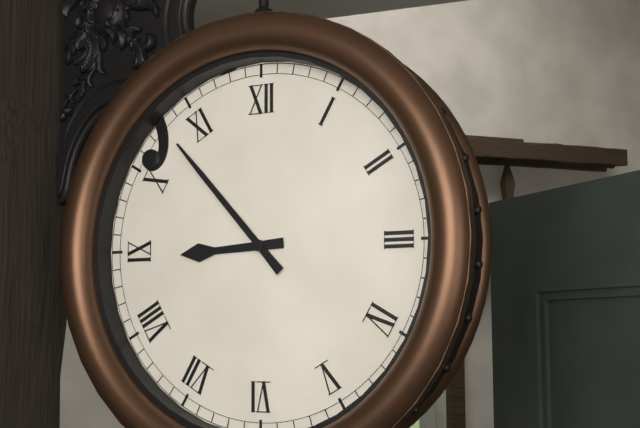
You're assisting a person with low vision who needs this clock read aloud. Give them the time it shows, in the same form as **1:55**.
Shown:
**8:53**
